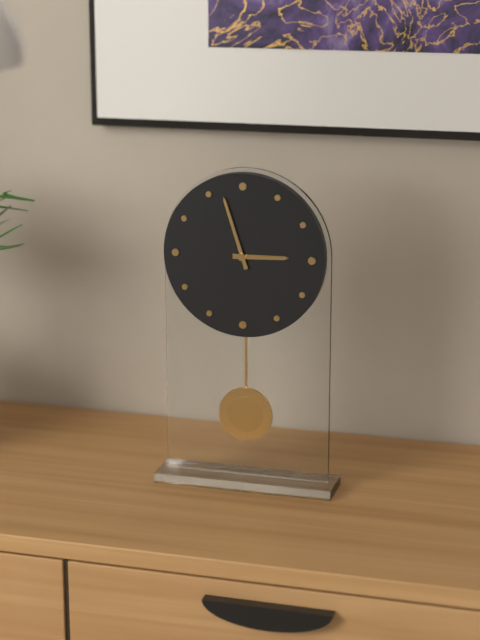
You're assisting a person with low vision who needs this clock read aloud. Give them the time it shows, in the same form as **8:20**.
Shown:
**2:57**
